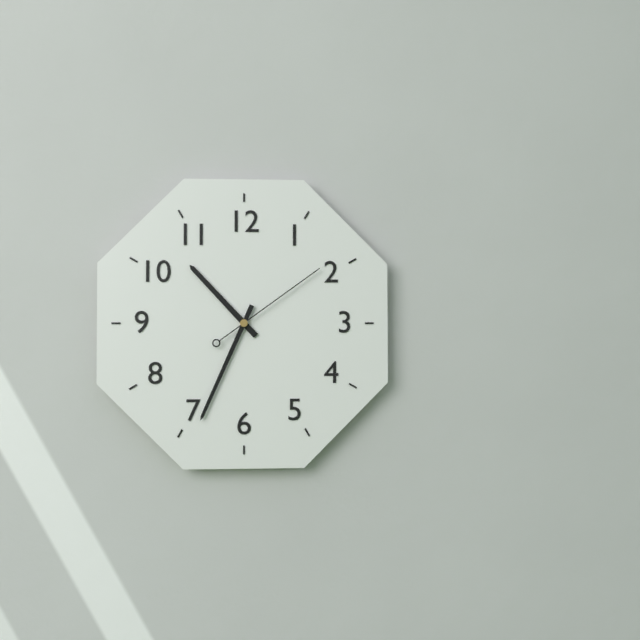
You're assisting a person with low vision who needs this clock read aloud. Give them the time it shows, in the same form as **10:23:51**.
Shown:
**10:34:09**
